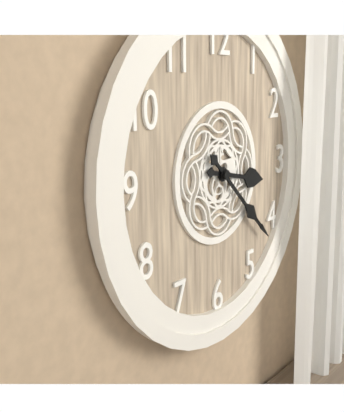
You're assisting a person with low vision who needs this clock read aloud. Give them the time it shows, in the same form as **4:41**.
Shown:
**3:22**
